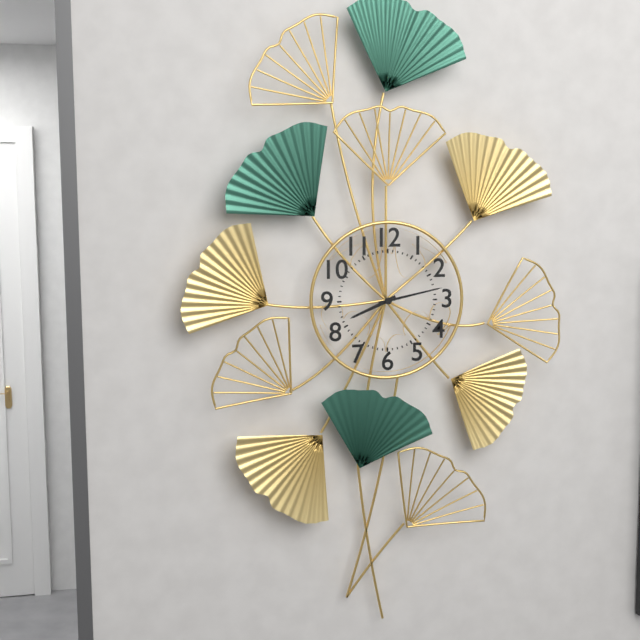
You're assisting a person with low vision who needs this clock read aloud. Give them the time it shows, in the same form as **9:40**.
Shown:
**8:13**
